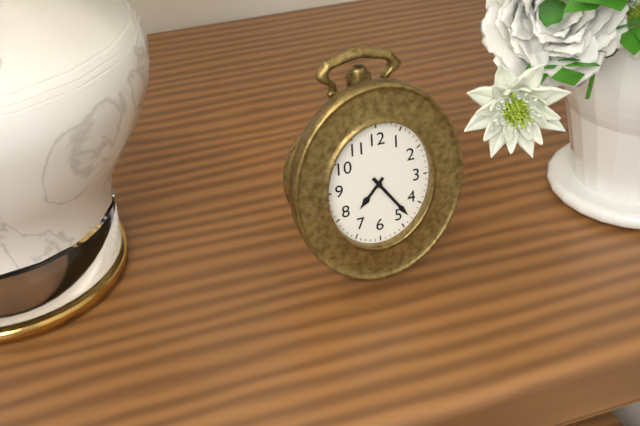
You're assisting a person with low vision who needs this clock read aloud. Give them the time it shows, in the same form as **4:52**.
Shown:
**7:24**
